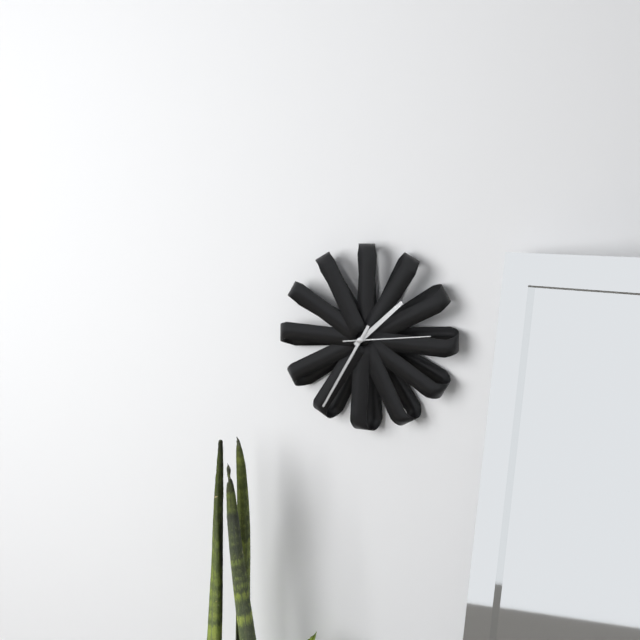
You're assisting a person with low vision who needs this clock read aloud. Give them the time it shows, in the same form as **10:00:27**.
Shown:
**1:35:14**
